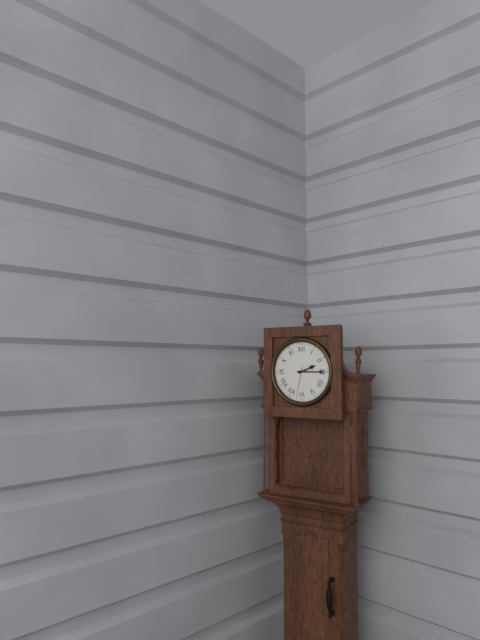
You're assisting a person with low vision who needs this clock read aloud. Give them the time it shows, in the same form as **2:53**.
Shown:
**2:15**
